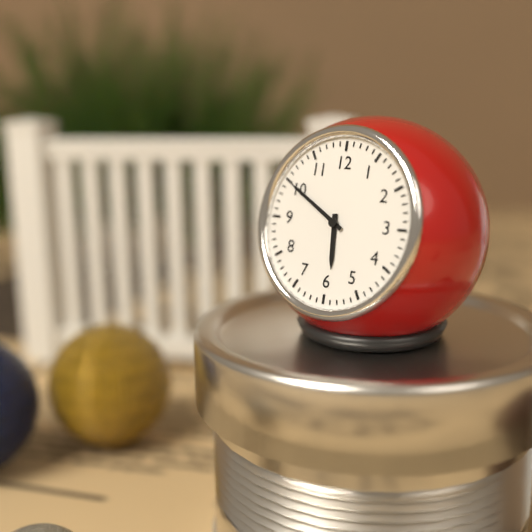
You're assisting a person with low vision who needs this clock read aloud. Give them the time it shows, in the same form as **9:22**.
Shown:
**5:50**
